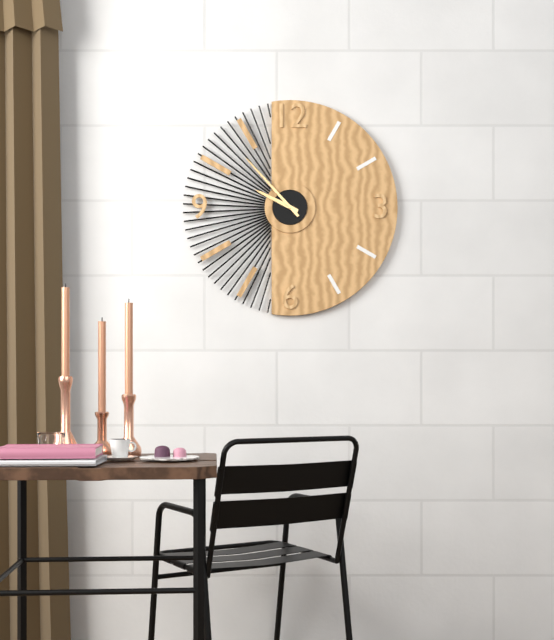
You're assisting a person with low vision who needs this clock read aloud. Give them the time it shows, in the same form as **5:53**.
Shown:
**9:53**
